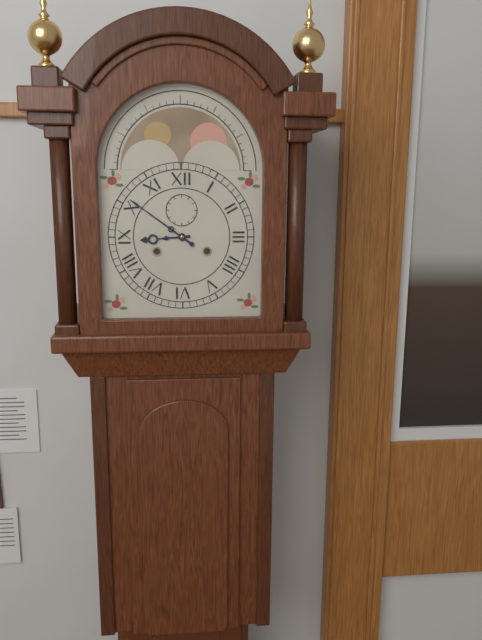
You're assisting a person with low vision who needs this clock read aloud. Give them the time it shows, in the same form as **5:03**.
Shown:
**8:51**
